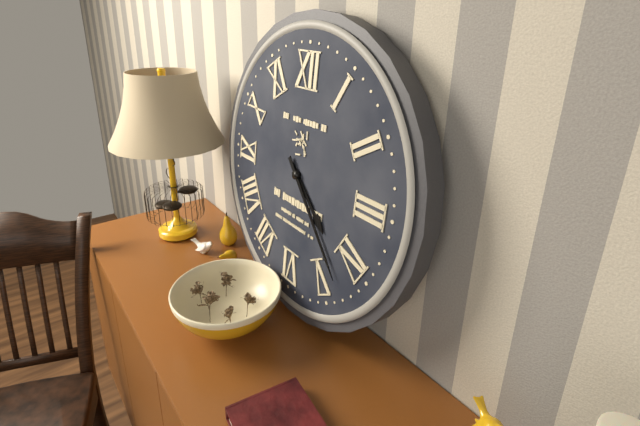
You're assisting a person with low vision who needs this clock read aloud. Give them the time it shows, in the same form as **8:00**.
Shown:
**4:23**
